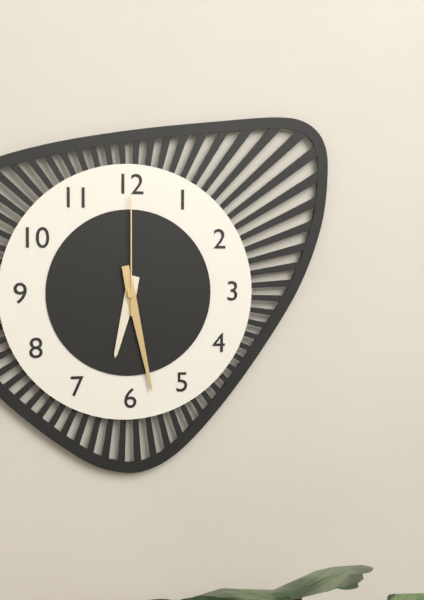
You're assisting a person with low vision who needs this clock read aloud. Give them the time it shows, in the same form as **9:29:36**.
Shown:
**6:28:00**
